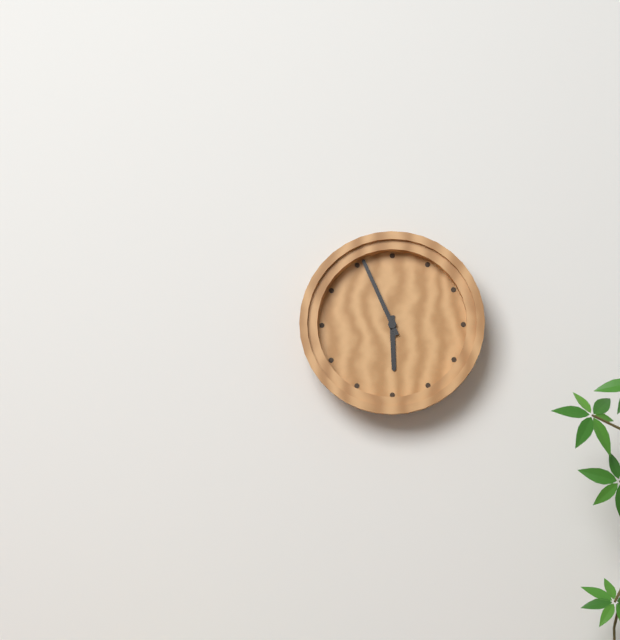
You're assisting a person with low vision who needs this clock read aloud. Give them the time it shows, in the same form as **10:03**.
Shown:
**5:56**
